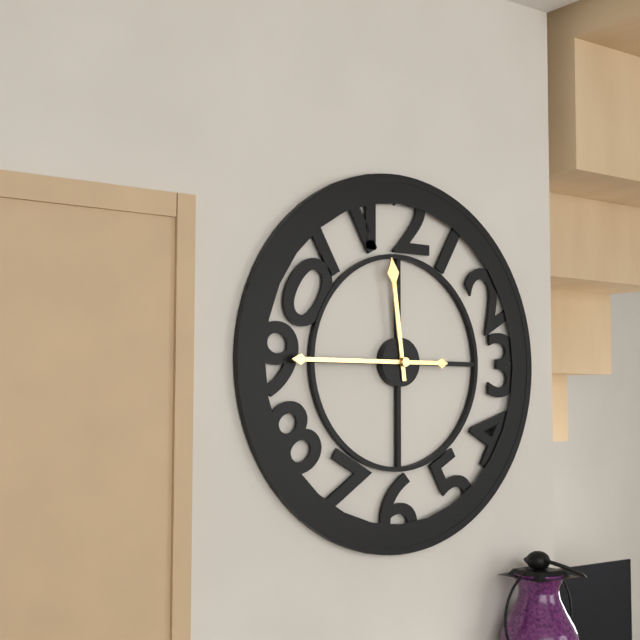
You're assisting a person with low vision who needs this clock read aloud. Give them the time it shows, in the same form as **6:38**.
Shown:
**11:45**
